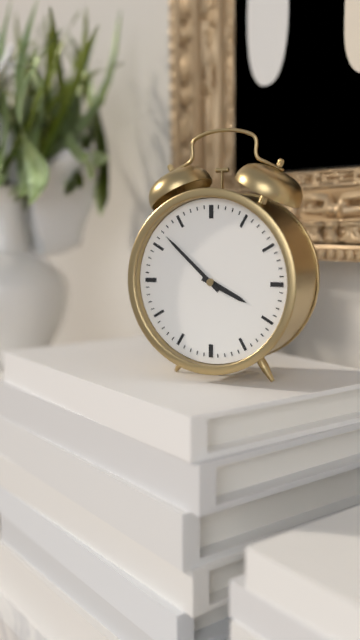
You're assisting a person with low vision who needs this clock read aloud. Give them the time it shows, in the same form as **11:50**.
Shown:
**3:52**
